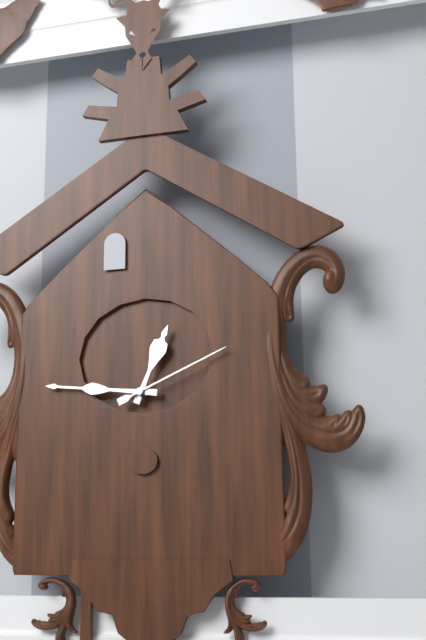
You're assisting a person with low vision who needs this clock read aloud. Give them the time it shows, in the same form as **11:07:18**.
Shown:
**12:46:11**
